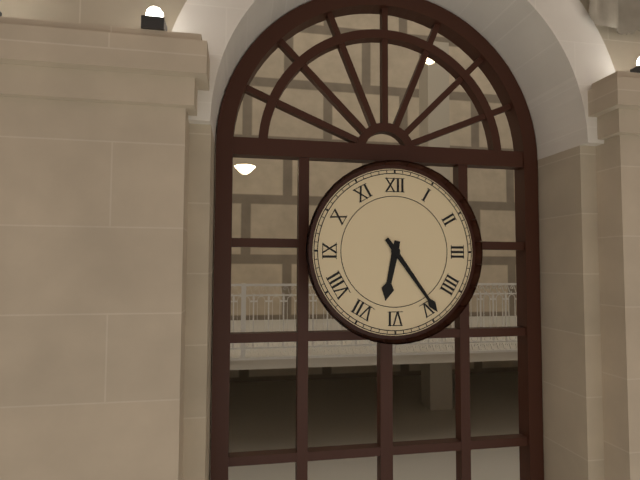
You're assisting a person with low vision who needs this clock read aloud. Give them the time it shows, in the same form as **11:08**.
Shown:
**6:24**
